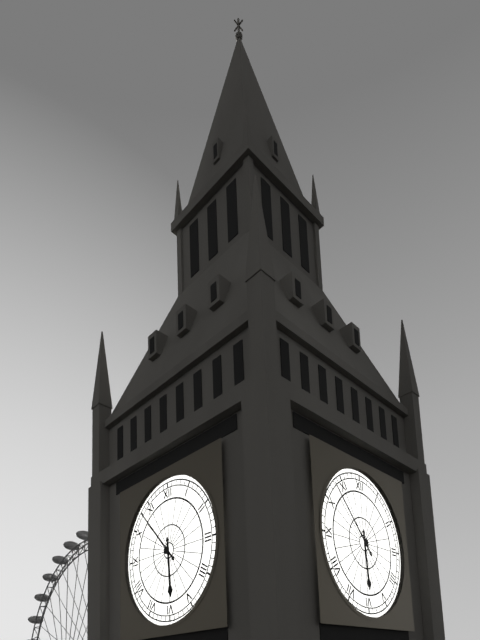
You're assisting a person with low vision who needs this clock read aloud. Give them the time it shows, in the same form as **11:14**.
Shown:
**5:53**
